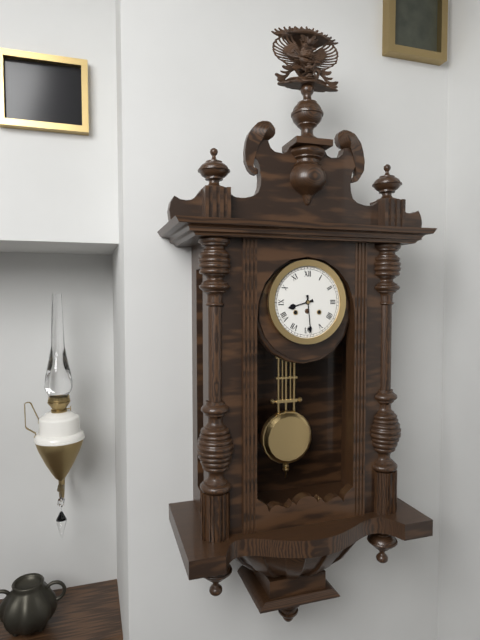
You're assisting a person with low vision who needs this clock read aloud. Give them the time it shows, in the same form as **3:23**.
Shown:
**8:29**
